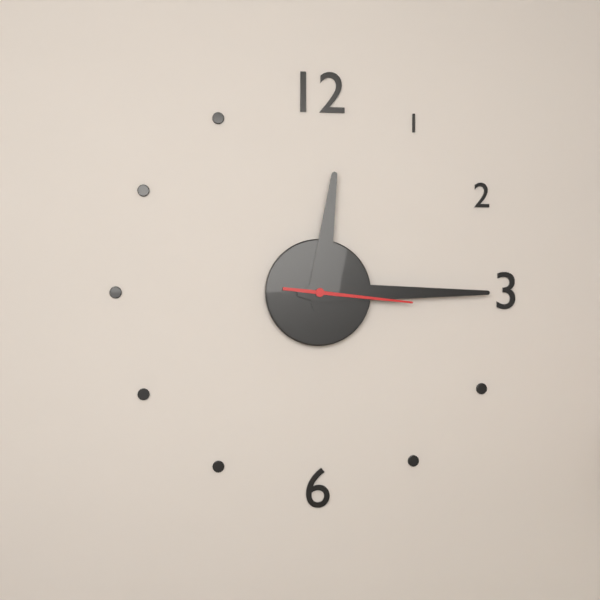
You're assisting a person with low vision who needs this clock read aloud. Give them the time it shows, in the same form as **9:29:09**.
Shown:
**12:15:16**
